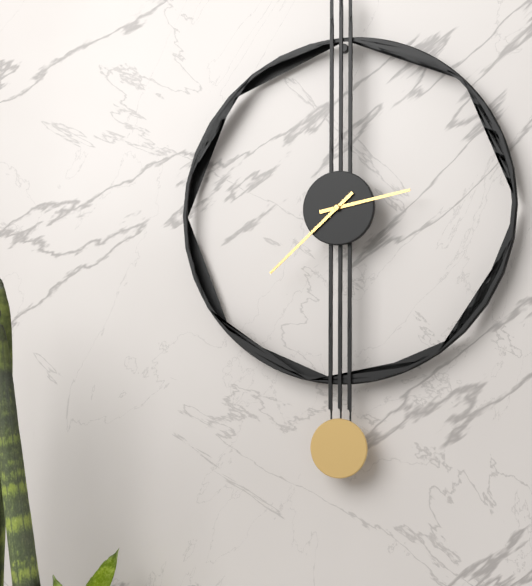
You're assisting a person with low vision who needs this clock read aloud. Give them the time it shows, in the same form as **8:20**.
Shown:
**2:38**
